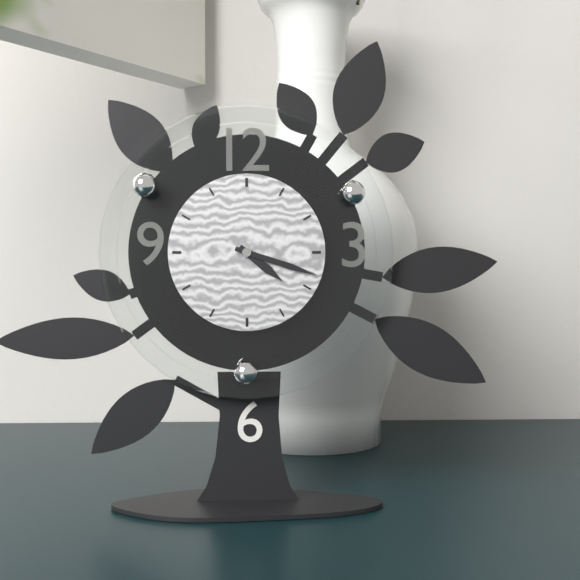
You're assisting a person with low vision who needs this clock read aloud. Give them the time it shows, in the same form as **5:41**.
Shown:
**4:18**
